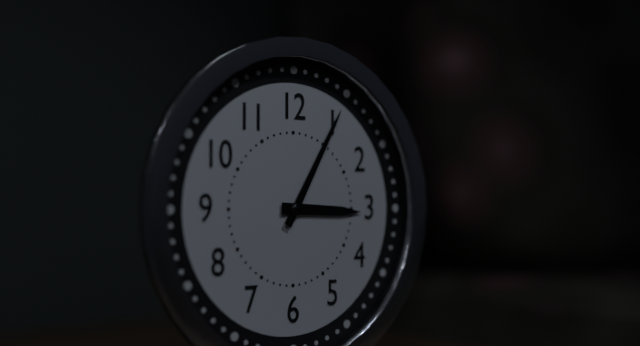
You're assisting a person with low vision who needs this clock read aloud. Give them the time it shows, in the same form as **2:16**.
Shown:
**3:05**
